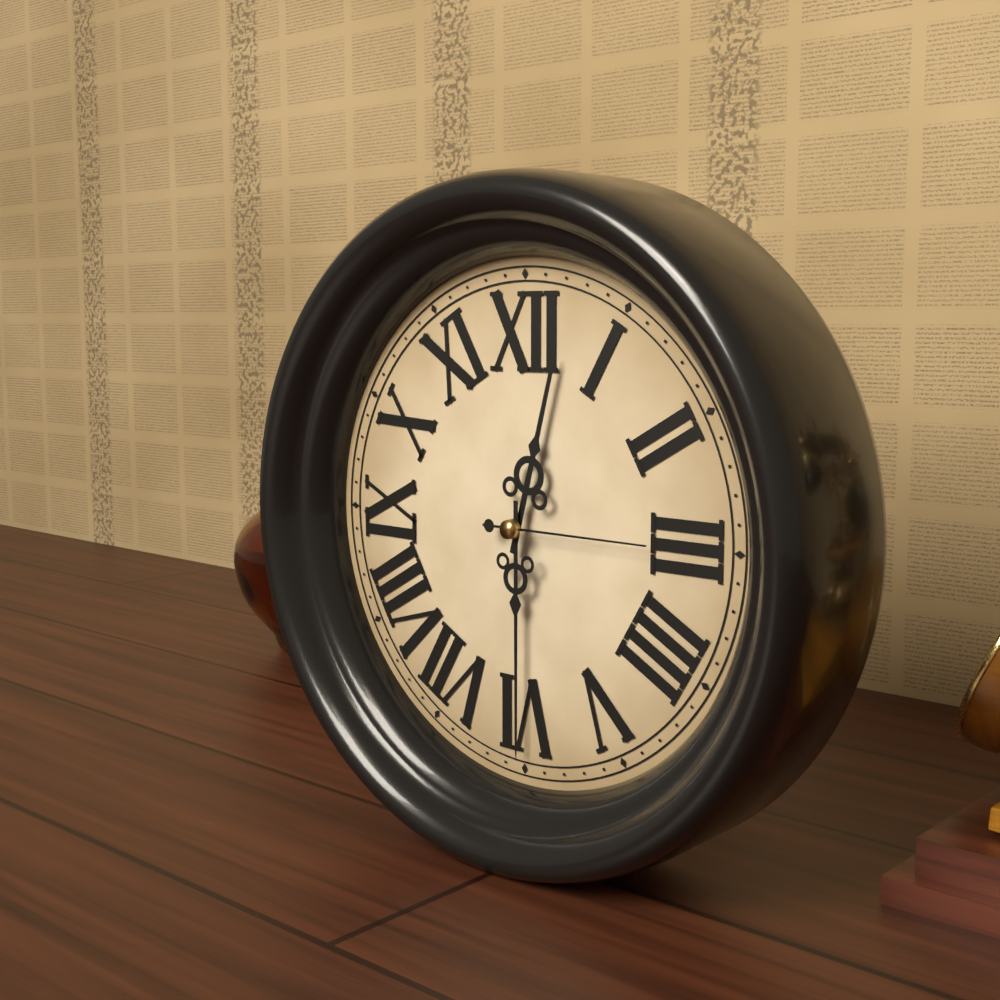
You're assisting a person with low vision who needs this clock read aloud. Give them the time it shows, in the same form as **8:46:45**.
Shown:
**12:30:15**
